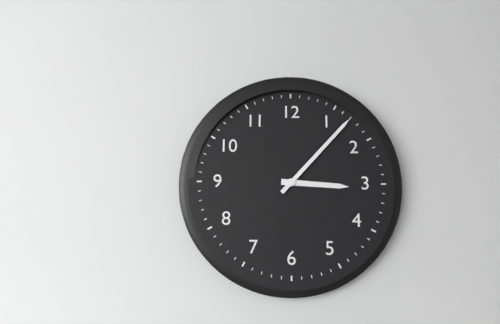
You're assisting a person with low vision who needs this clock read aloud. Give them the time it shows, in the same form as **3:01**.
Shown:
**3:07**
